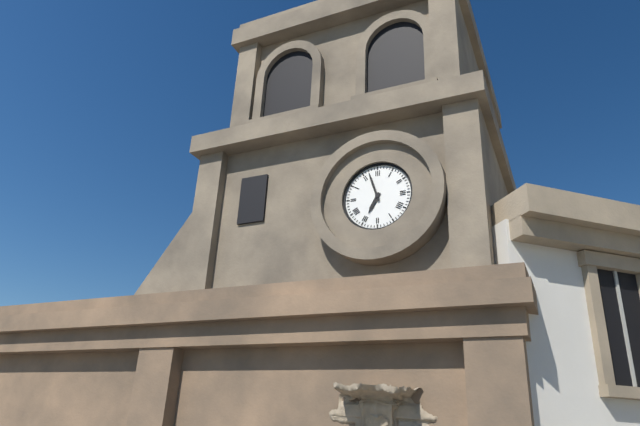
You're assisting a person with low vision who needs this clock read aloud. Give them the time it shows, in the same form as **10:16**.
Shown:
**6:57**
